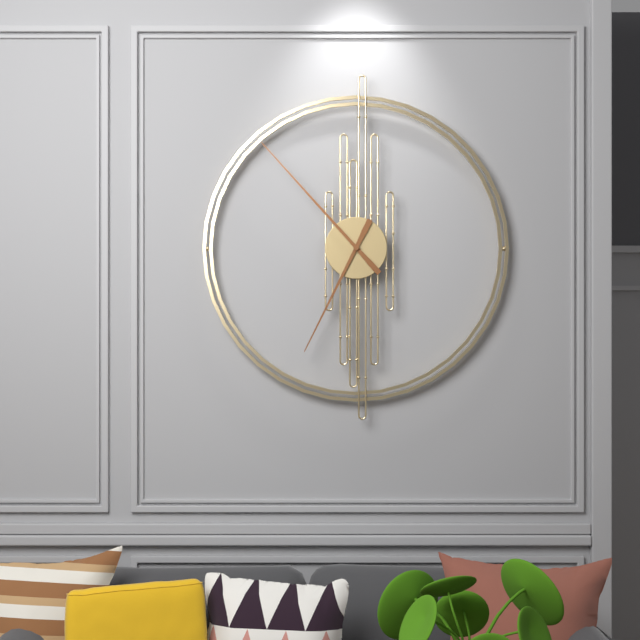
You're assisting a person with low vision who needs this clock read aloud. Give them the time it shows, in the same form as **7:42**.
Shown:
**6:53**
